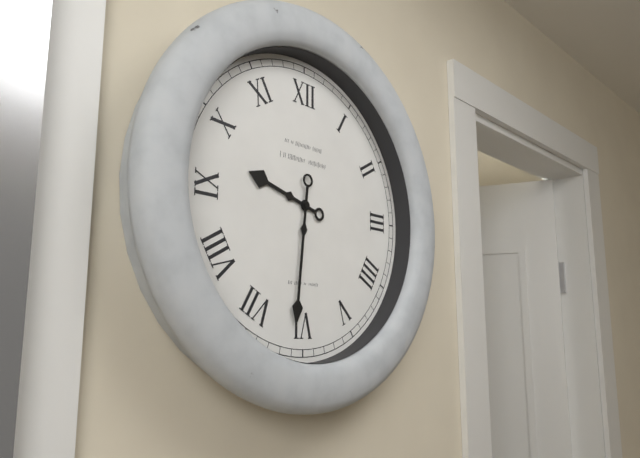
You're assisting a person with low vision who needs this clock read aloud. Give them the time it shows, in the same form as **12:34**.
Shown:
**9:31**
